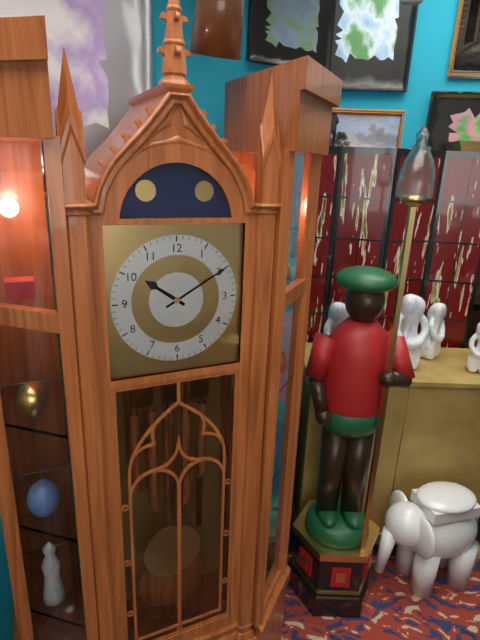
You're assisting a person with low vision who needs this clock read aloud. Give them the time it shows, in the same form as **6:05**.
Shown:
**10:10**
